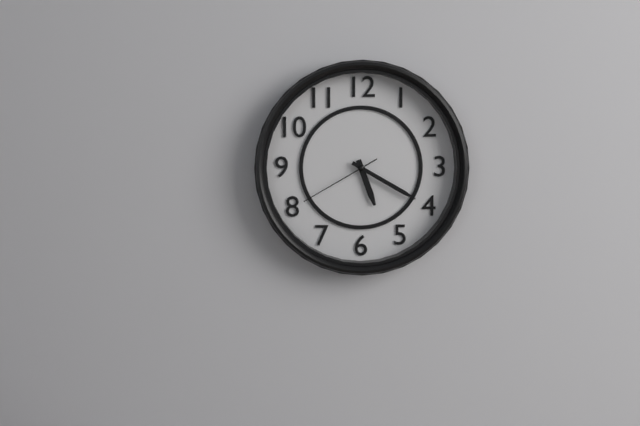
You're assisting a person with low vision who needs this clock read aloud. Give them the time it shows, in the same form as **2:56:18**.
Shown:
**5:20:40**
